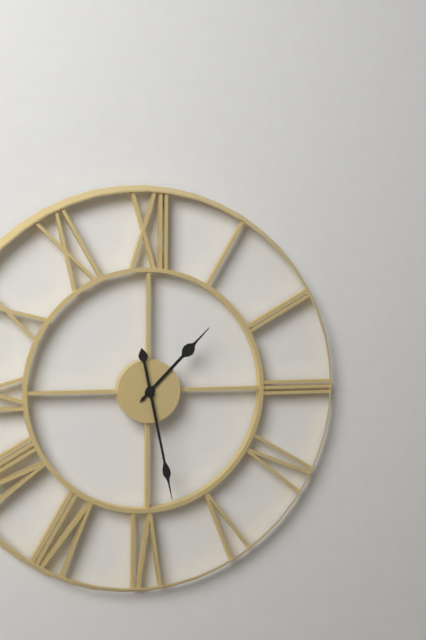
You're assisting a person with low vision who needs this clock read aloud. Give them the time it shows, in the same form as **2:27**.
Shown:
**1:28**
